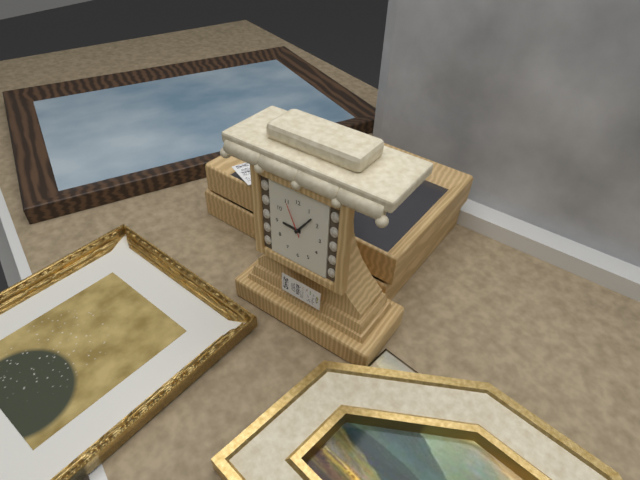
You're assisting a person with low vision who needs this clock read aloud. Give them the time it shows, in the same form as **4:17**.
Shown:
**9:06**
